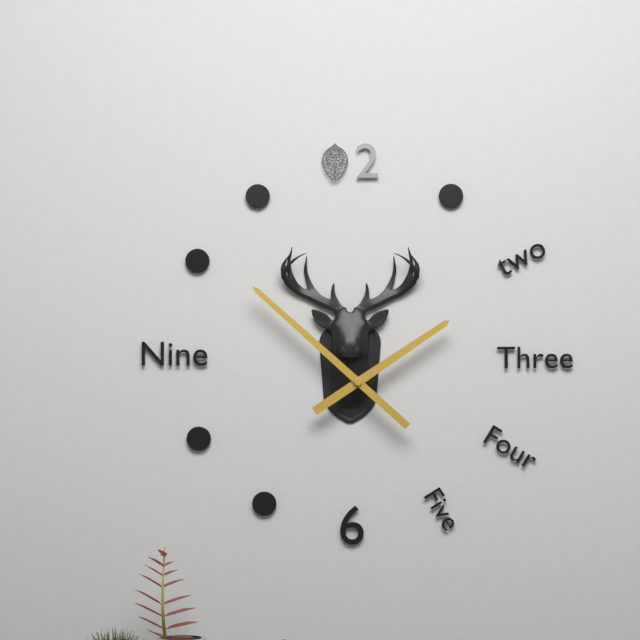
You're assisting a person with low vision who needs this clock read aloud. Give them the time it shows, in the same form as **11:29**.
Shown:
**1:52**
